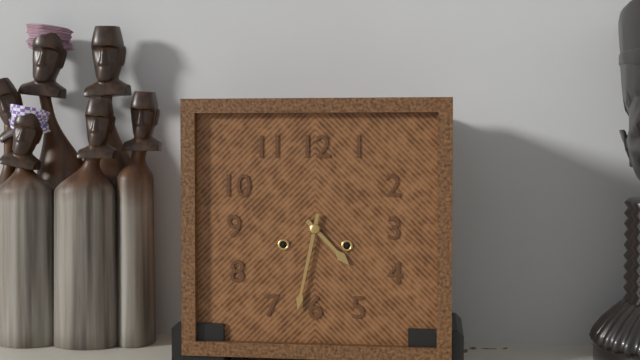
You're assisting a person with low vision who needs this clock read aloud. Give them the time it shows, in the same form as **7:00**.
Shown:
**4:32**
